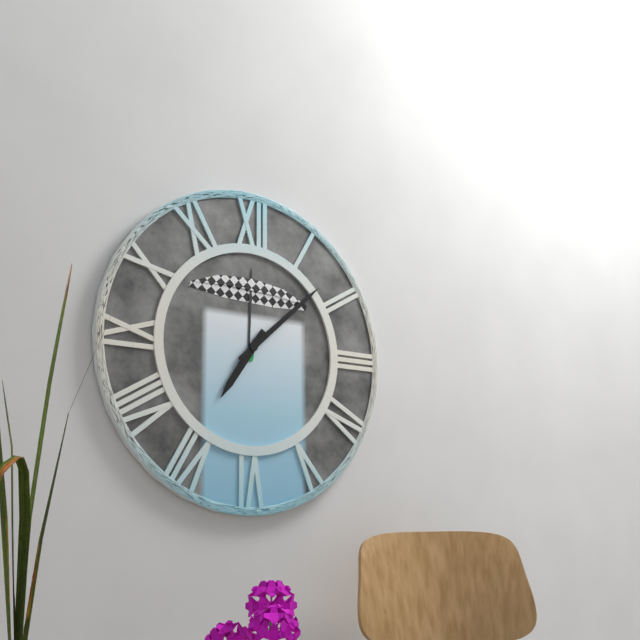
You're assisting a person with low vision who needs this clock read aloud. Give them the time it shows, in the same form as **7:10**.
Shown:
**7:08**
